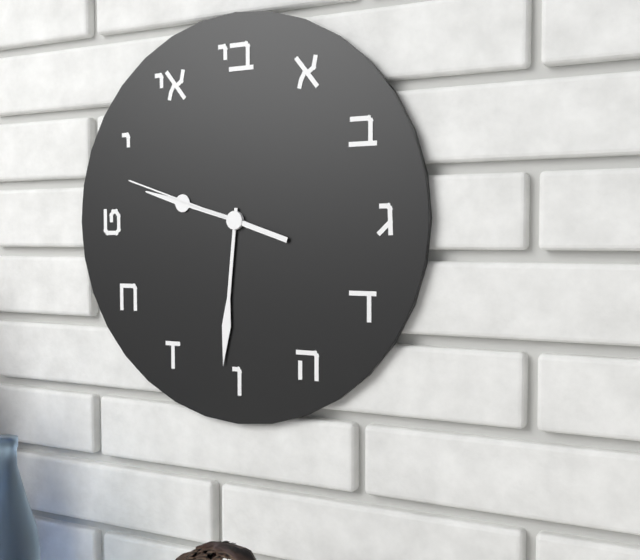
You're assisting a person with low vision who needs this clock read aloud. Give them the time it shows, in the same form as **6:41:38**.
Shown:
**9:31:48**
